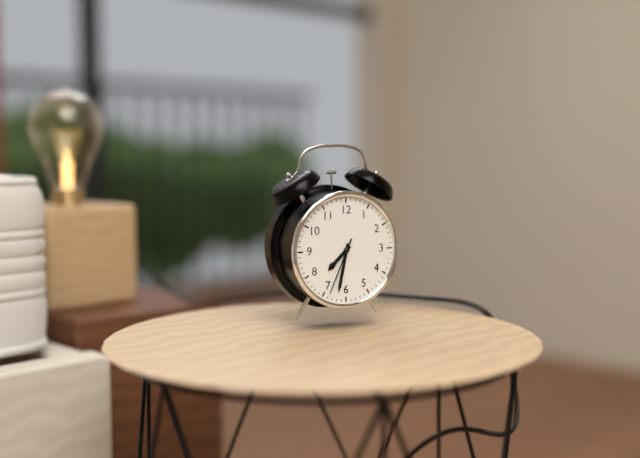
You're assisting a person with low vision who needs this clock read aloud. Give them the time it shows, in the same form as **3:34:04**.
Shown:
**7:32:34**
